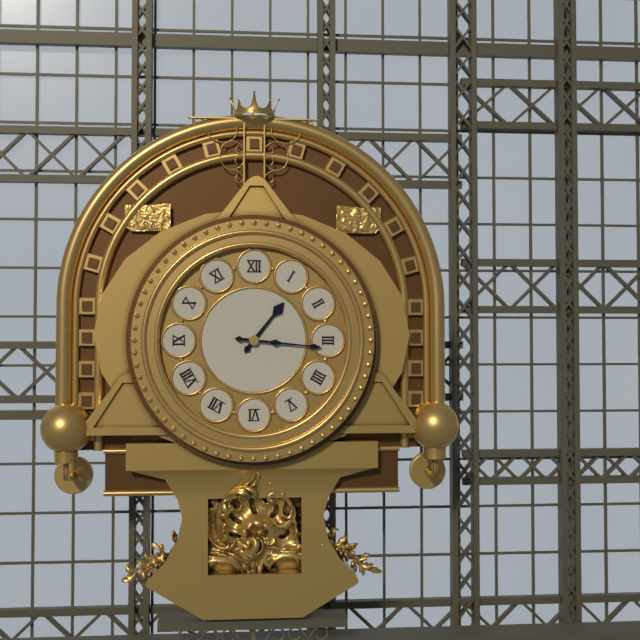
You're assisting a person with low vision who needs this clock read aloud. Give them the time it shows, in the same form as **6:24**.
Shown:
**1:16**
